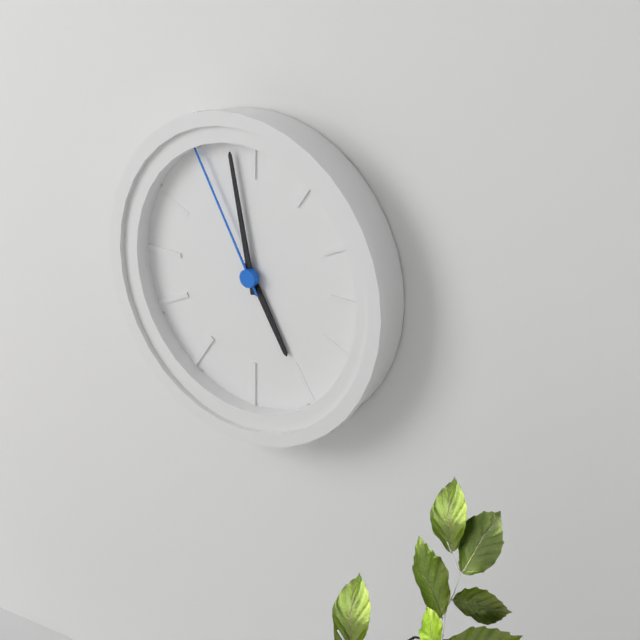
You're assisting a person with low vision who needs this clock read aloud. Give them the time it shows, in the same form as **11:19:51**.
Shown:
**4:58:55**
